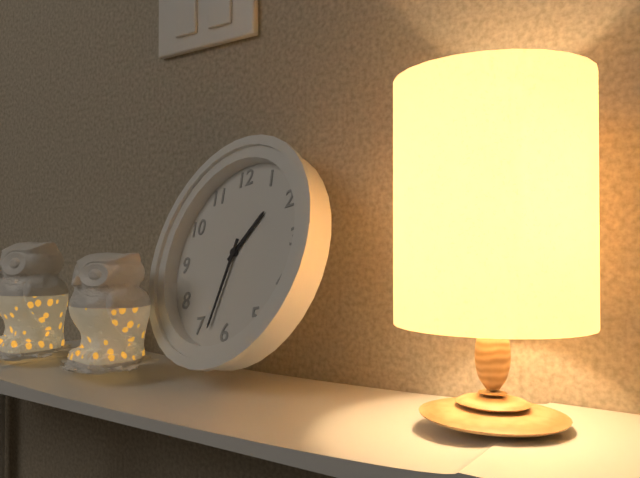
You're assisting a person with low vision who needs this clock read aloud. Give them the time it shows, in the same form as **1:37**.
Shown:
**1:33**
